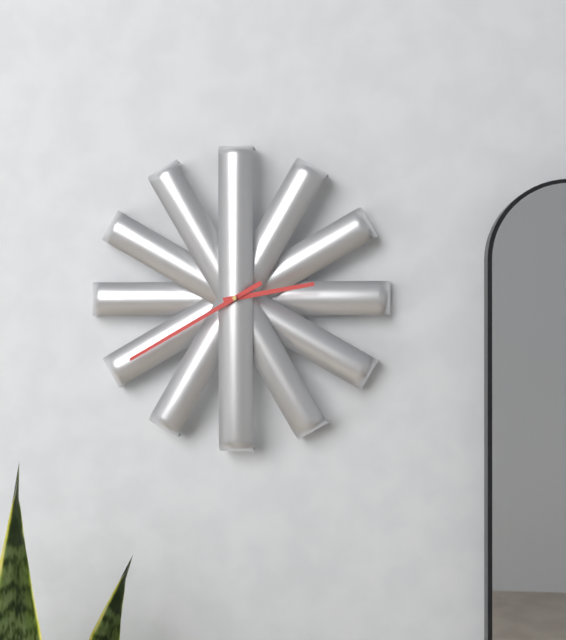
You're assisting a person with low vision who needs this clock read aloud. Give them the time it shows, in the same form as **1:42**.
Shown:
**2:40**
